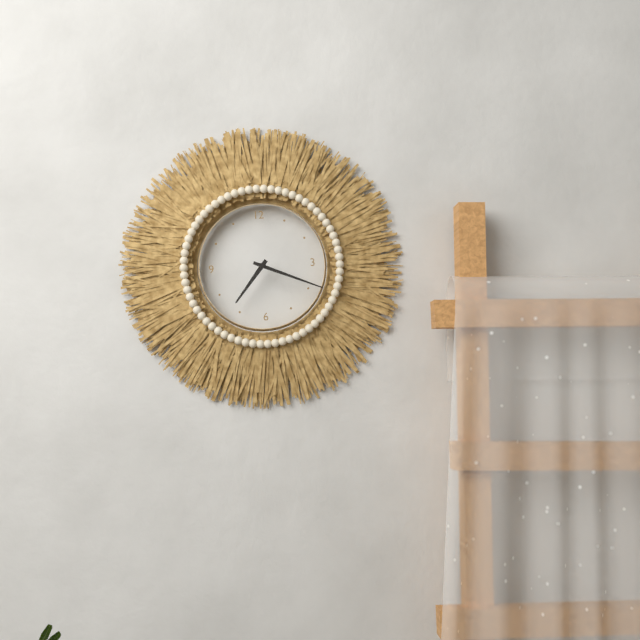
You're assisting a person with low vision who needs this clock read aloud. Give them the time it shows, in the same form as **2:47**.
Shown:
**7:19**
